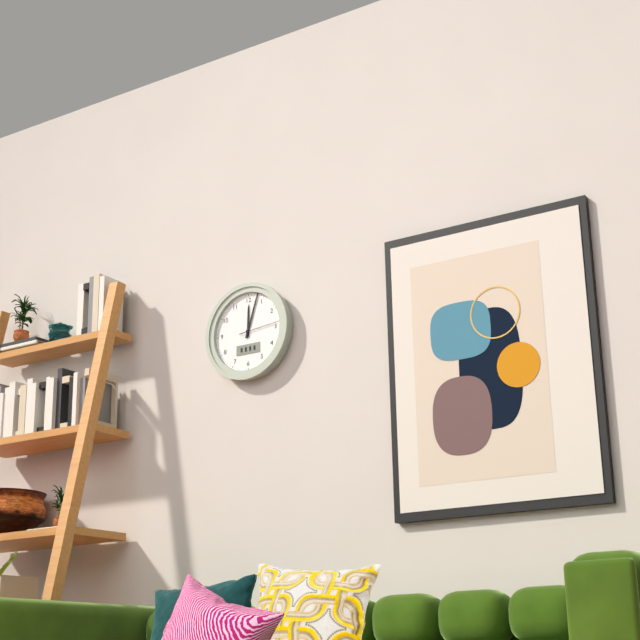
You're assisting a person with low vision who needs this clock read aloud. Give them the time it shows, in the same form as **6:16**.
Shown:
**12:03**
